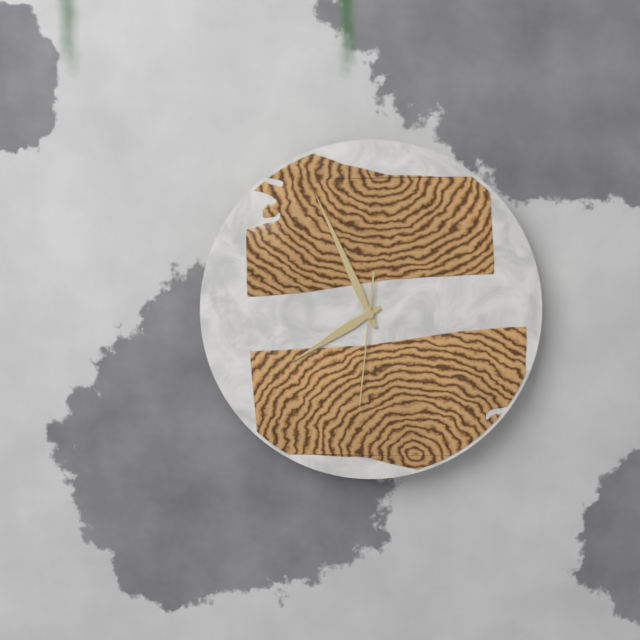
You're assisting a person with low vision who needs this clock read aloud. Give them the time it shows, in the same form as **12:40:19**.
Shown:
**7:56:31**
